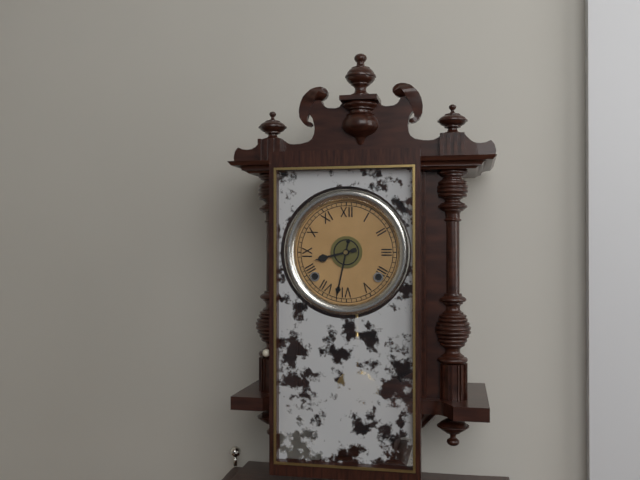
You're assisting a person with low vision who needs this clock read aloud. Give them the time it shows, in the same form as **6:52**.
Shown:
**8:32**
